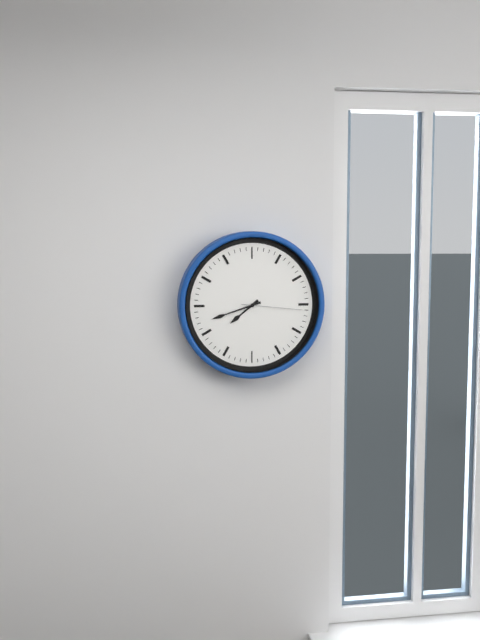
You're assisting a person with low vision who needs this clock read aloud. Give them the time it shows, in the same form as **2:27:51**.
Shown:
**7:42:16**
